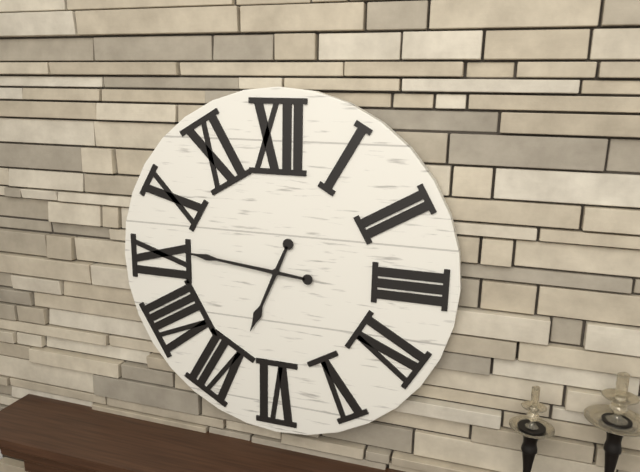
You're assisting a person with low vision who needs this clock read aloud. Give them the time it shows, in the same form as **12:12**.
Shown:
**6:46**
